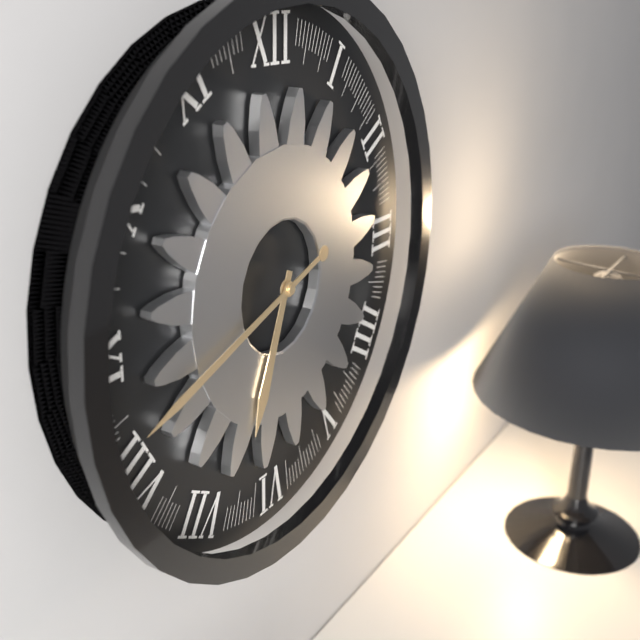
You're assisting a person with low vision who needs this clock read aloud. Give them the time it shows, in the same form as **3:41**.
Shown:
**6:42**
